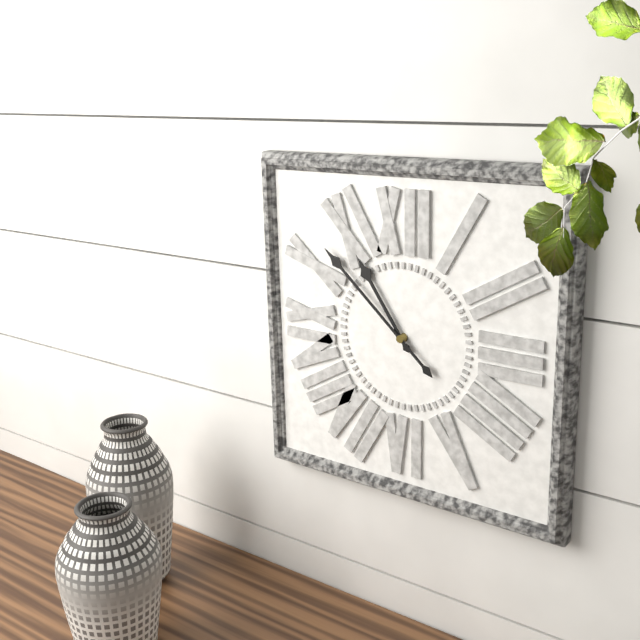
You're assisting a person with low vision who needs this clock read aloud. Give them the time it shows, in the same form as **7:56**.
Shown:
**10:52**
